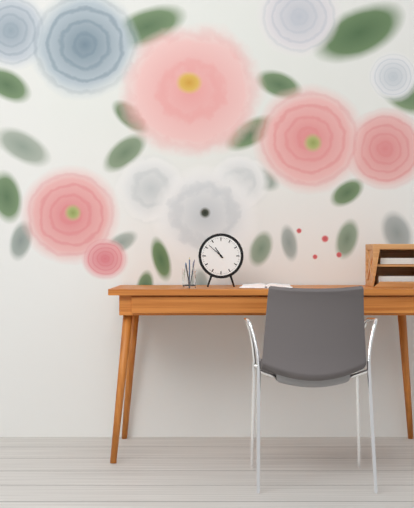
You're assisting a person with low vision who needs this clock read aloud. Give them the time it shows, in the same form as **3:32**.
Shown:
**10:52**
